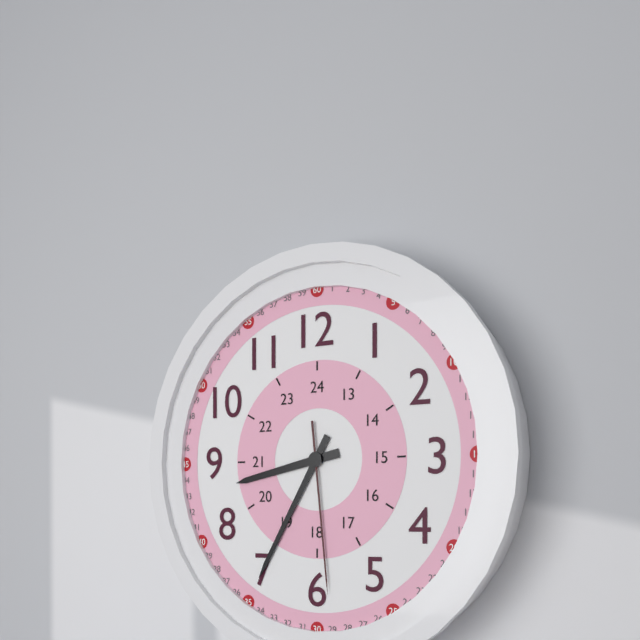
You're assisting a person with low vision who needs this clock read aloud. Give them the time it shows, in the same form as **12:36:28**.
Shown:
**8:35:29**
